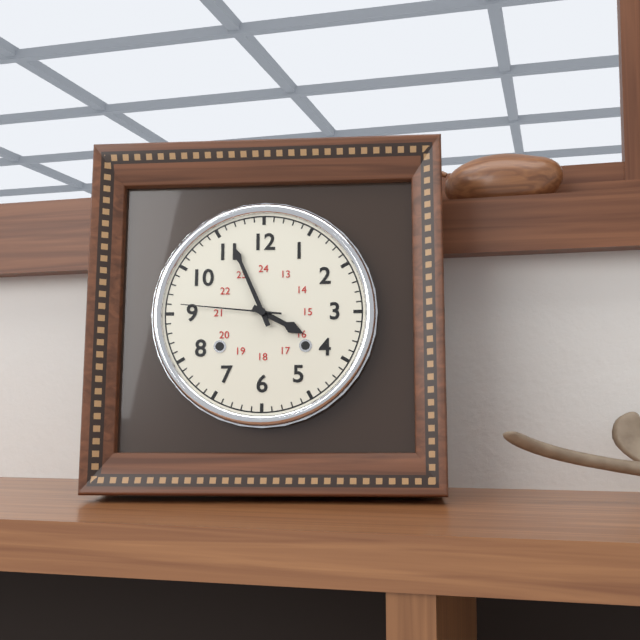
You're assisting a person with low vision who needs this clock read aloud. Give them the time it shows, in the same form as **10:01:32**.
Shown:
**3:56:46**
